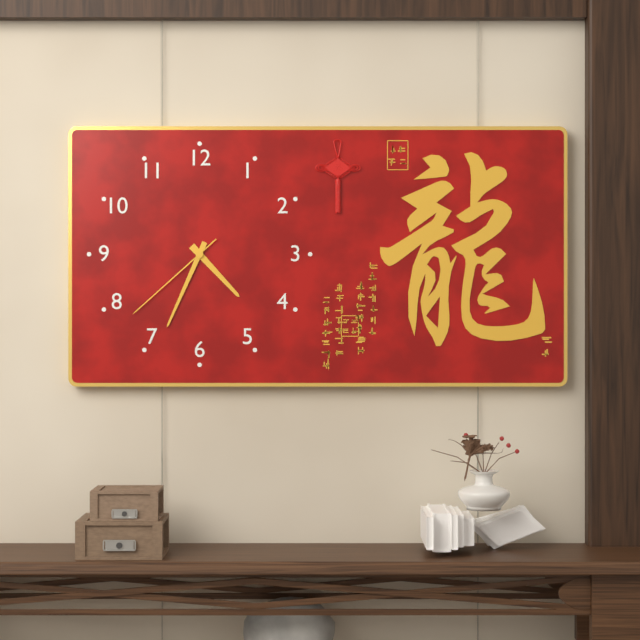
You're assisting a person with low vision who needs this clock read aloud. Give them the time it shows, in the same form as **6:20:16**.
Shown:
**4:34:38**
